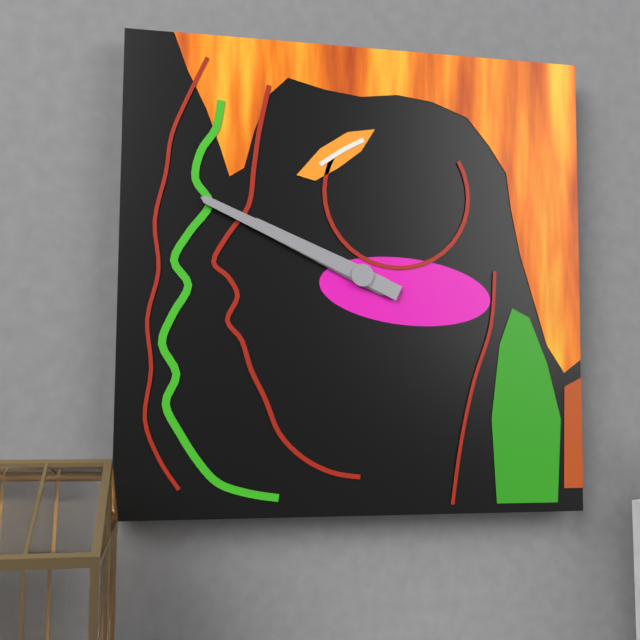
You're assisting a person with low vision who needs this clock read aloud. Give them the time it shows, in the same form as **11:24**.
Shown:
**9:49**
